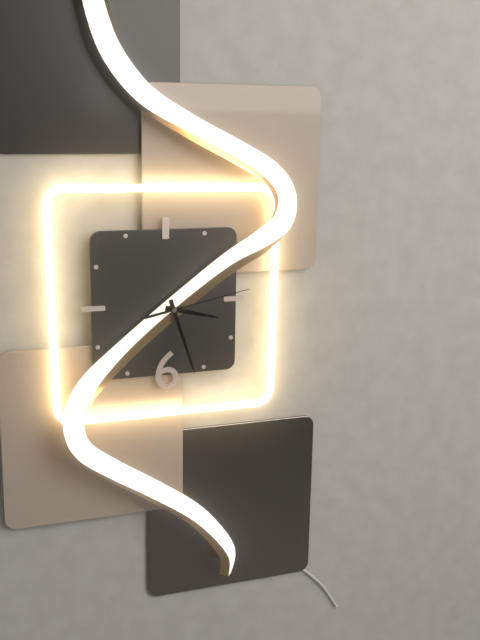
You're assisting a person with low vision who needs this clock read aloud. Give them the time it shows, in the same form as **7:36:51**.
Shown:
**3:27:13**
